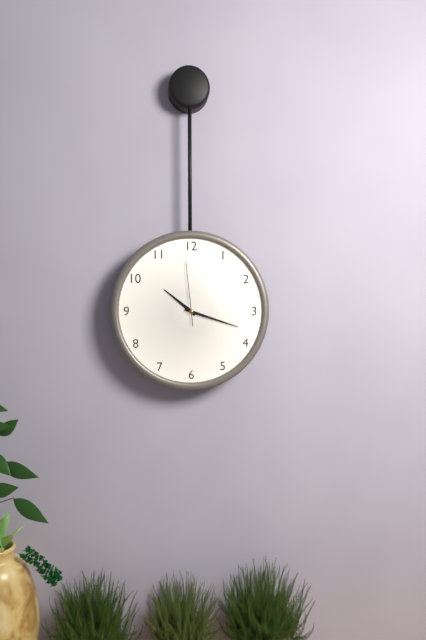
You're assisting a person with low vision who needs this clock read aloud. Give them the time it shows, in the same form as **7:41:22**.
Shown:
**10:18:59**
